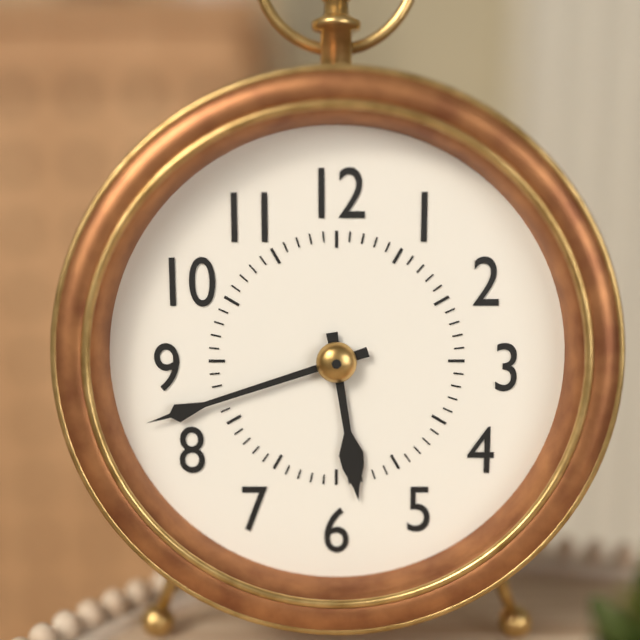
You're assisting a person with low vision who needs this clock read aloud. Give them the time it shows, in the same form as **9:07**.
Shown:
**5:42**
